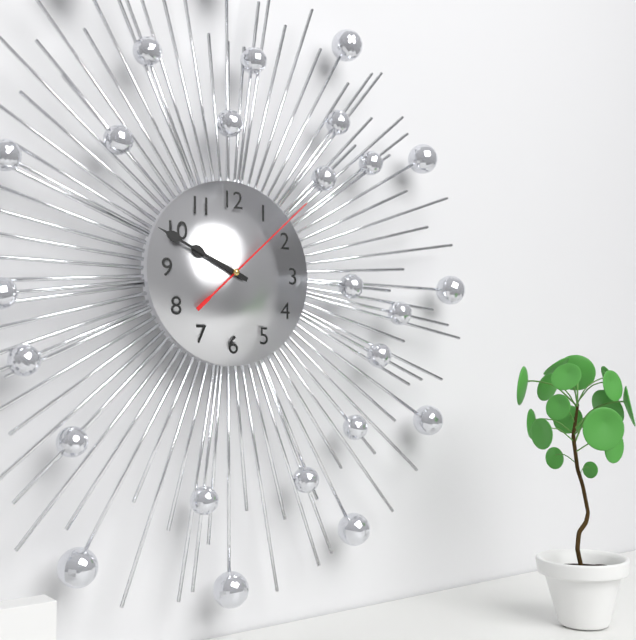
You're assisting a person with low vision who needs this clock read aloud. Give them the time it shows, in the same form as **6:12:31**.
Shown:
**9:49:08**
